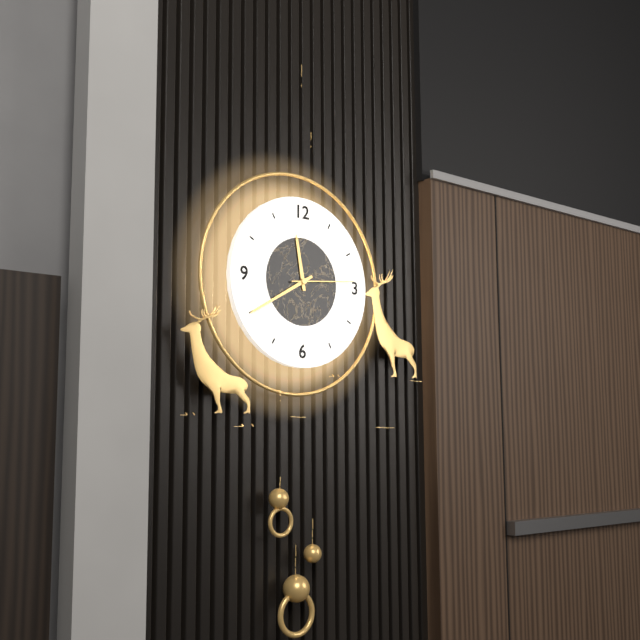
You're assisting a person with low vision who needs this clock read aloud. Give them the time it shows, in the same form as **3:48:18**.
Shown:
**11:40:14**
